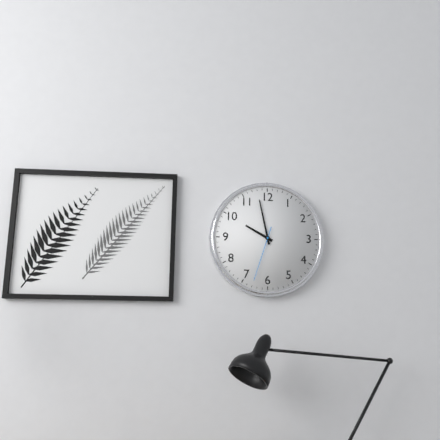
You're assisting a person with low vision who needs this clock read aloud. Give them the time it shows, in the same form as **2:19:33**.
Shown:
**9:58:33**
